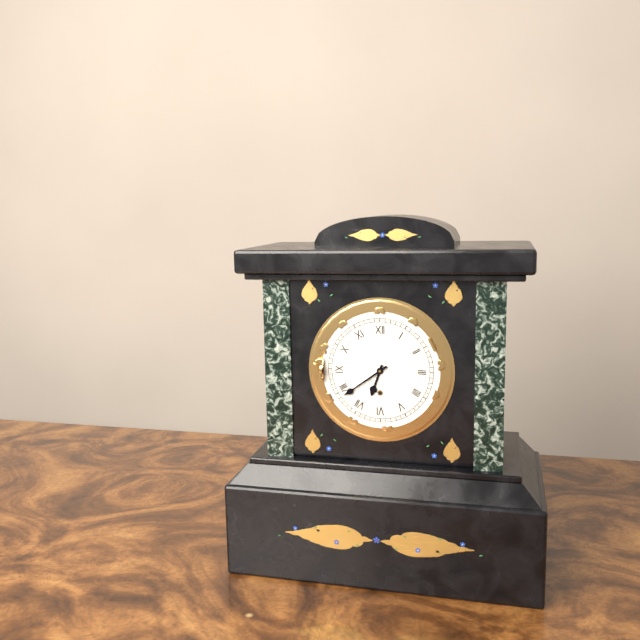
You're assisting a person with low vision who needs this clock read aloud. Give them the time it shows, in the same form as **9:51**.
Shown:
**6:39**
